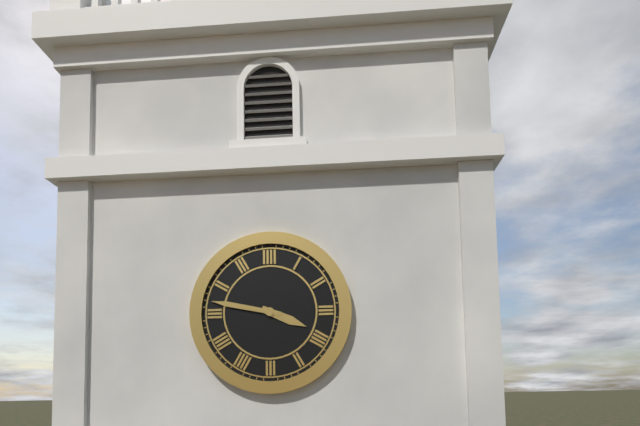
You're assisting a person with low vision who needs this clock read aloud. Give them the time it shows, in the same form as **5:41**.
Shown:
**3:47**
